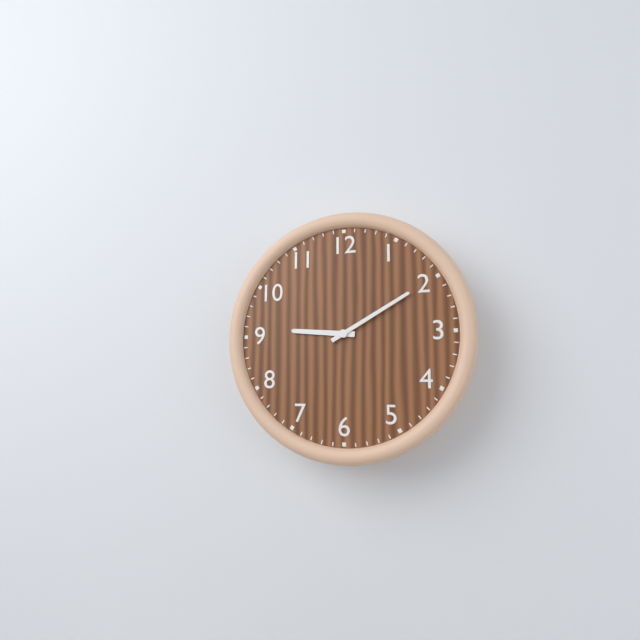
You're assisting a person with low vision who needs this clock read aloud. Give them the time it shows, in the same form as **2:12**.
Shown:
**9:10**
